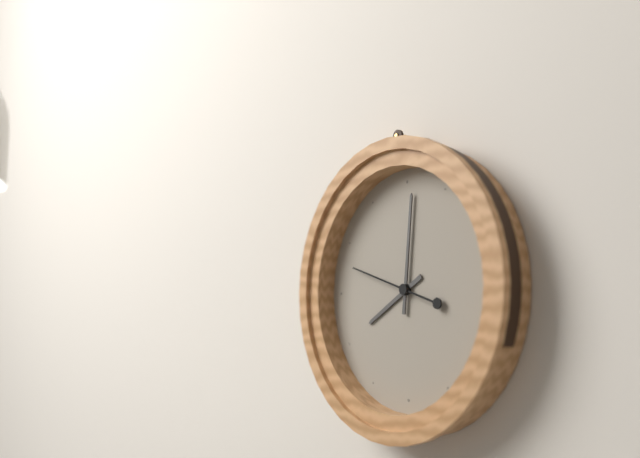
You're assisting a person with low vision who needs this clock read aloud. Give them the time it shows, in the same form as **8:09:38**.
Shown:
**8:01:48**
